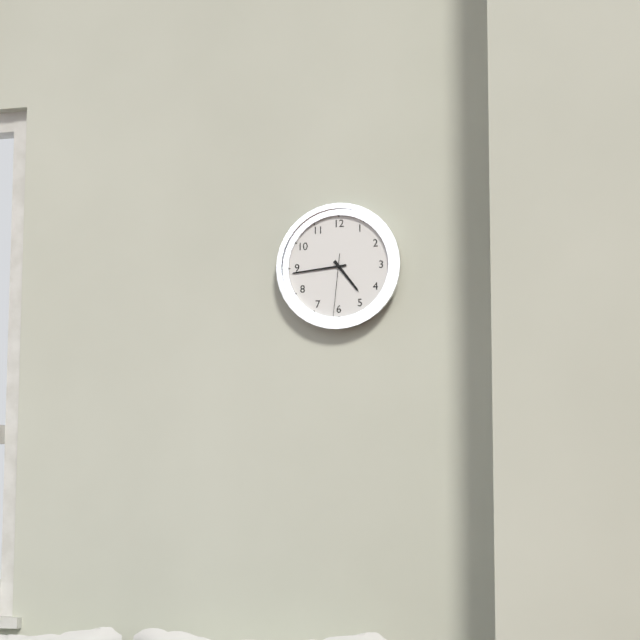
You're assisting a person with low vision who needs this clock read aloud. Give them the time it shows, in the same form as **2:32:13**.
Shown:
**4:44:31**
